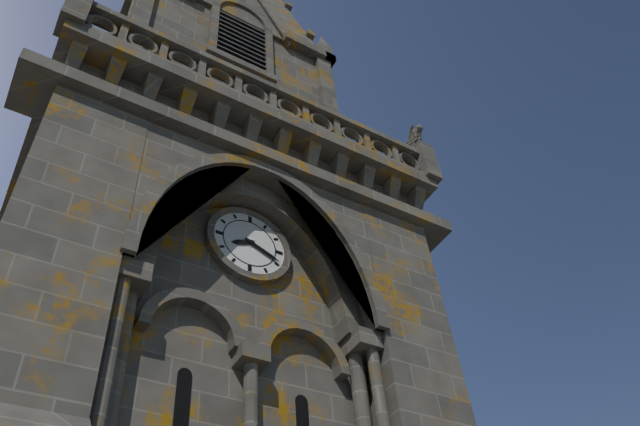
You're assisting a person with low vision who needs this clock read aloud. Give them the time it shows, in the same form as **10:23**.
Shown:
**8:19**
